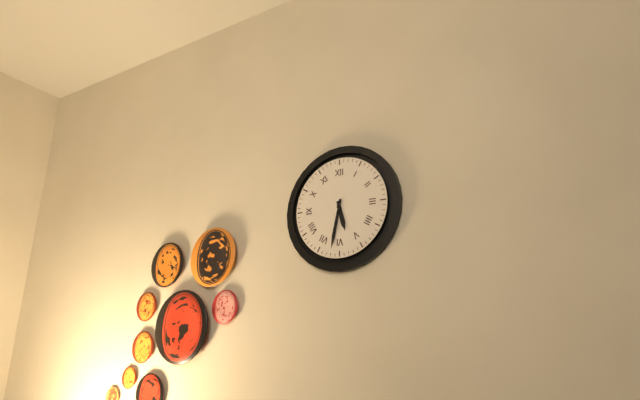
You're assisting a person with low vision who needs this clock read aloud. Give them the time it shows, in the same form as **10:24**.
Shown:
**5:32**
